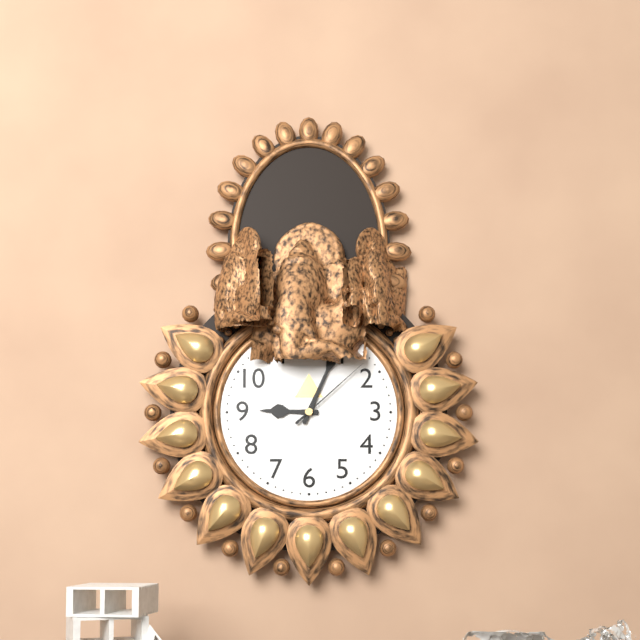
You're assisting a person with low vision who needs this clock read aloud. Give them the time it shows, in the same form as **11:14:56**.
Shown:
**9:04:08**
